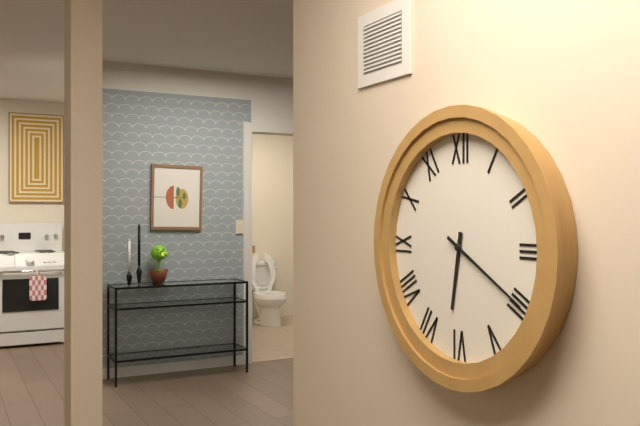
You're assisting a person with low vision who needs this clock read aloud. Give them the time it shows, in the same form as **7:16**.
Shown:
**6:20**
